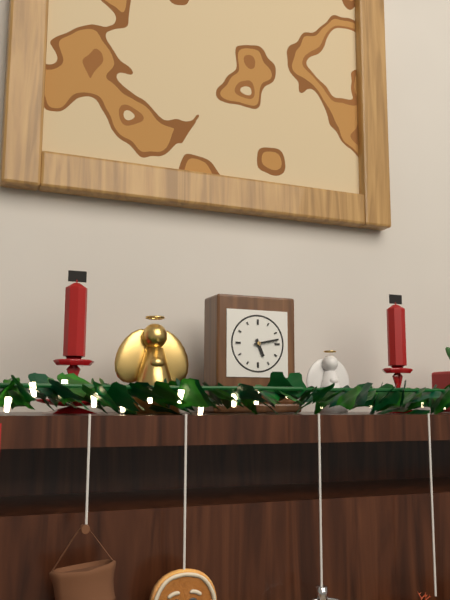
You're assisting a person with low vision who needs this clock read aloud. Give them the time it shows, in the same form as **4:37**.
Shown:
**5:13**
